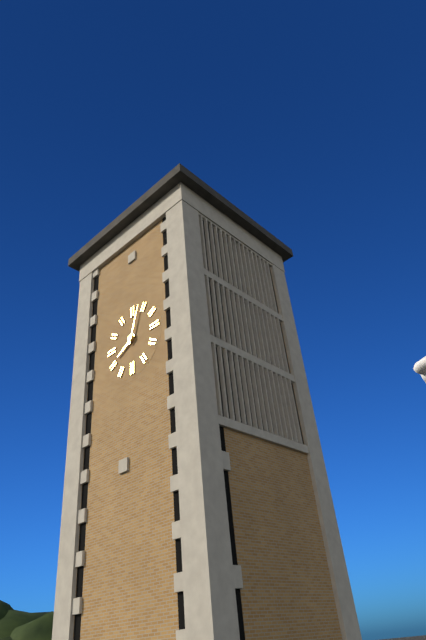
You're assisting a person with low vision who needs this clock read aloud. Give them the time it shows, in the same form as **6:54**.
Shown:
**8:03**
